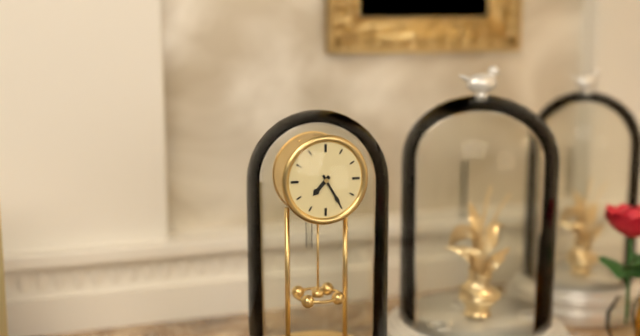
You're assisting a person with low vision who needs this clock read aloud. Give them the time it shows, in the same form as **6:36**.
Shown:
**7:25**
